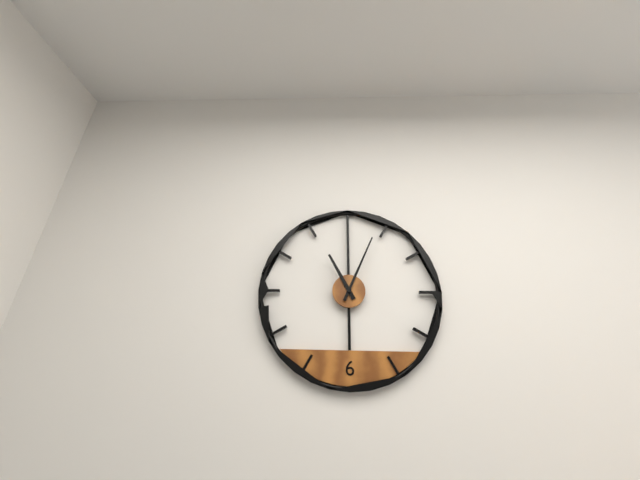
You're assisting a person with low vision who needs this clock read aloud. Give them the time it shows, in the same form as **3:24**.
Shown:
**11:04**
